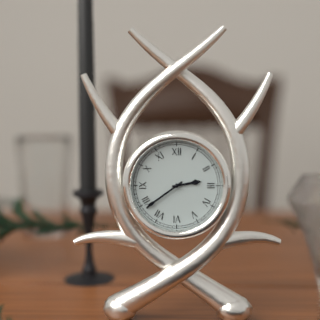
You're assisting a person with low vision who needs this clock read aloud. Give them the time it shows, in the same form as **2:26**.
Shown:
**2:39**
